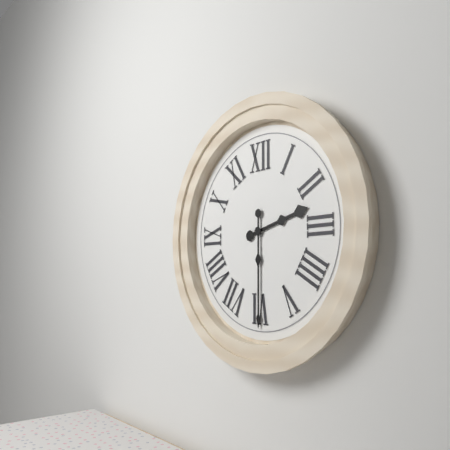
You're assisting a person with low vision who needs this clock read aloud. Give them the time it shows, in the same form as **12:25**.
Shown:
**2:30**
